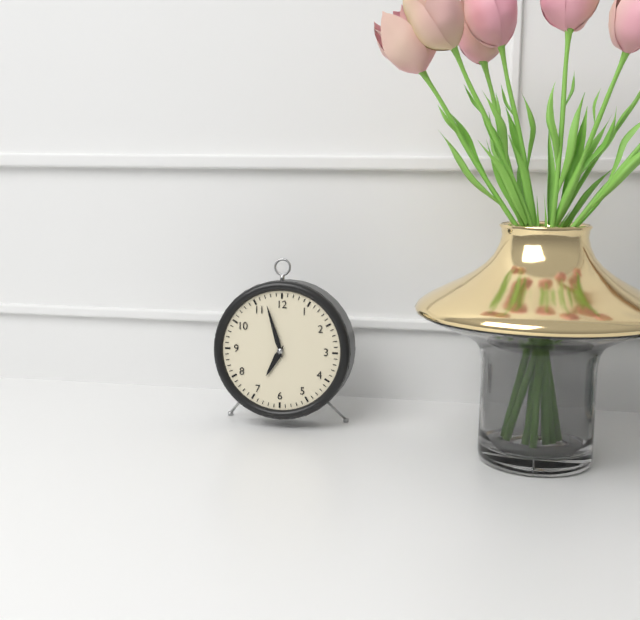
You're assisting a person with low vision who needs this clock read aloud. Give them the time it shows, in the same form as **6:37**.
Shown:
**6:57**
